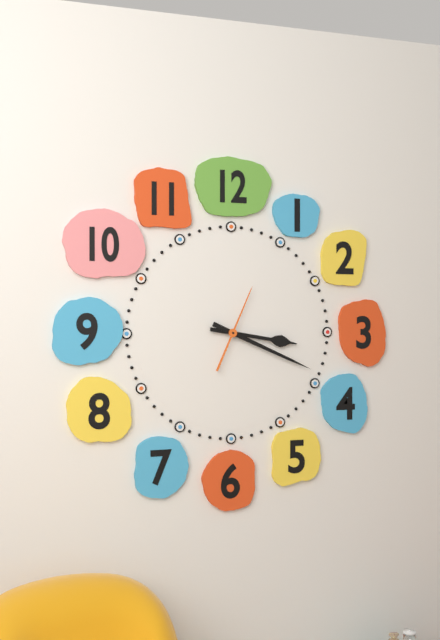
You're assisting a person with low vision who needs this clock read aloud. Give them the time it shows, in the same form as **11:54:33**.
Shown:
**3:19:04**
